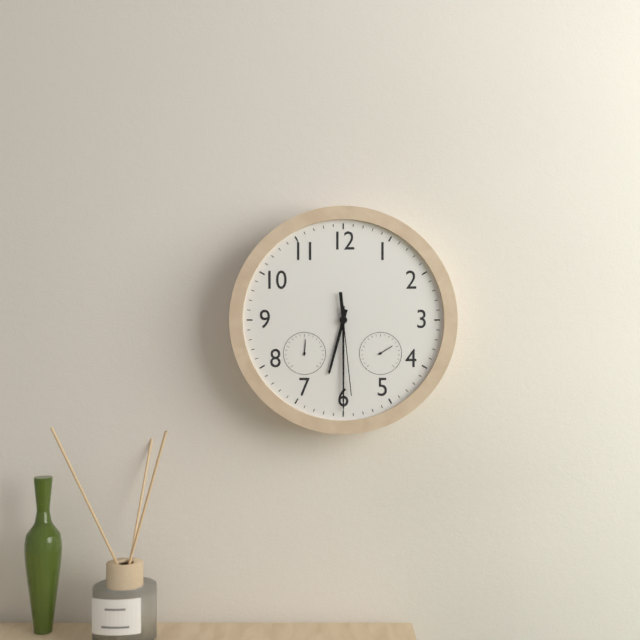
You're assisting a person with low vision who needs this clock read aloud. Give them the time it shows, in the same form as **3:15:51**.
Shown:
**6:30:29**
